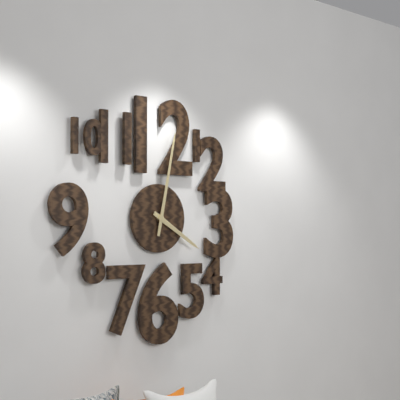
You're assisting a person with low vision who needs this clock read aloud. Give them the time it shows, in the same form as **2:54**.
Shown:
**4:02**
